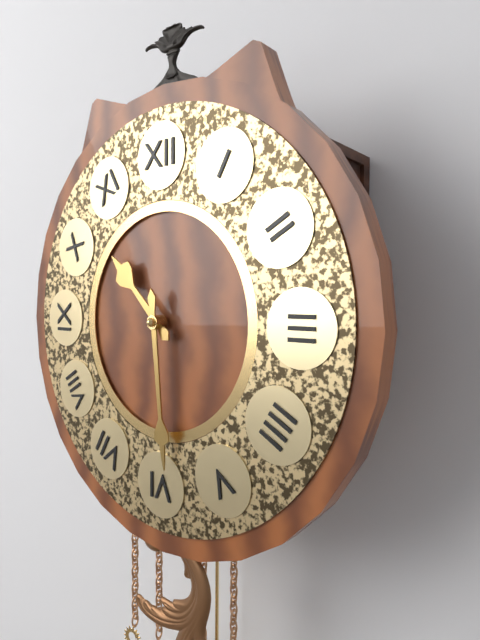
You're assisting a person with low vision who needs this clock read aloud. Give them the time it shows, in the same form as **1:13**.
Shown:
**10:29**
